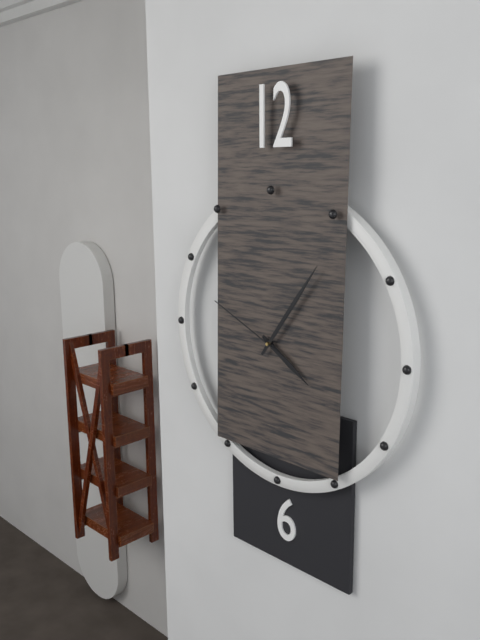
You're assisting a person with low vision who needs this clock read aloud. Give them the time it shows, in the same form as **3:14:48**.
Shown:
**4:06:49**
